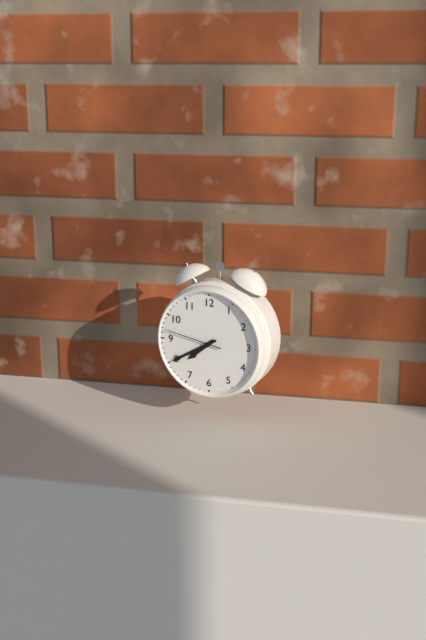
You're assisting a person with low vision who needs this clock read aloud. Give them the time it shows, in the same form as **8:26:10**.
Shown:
**7:40:47**
